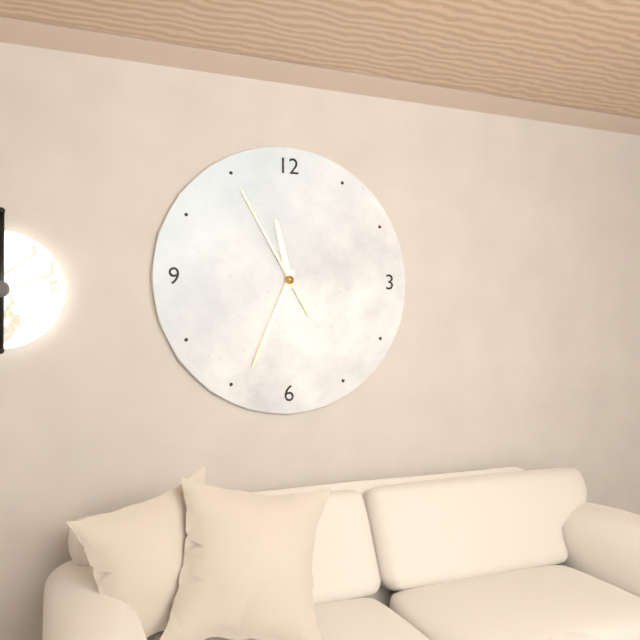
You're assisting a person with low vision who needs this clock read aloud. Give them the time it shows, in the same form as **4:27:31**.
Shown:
**11:34:55**
